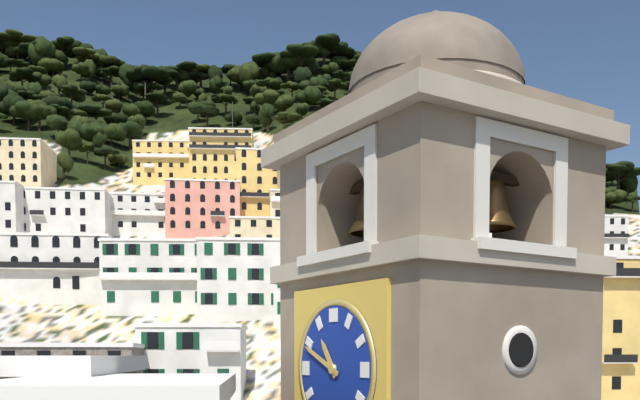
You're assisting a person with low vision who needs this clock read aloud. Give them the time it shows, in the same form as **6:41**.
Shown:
**10:49**
